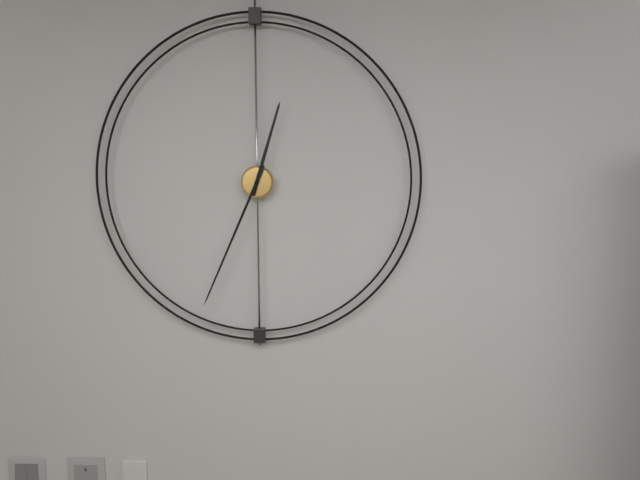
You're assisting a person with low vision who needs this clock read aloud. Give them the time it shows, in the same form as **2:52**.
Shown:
**12:34**
